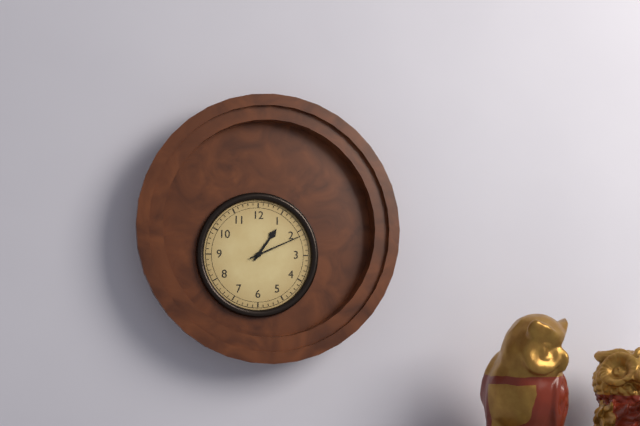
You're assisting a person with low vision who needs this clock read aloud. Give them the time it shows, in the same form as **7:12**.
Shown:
**1:11**
